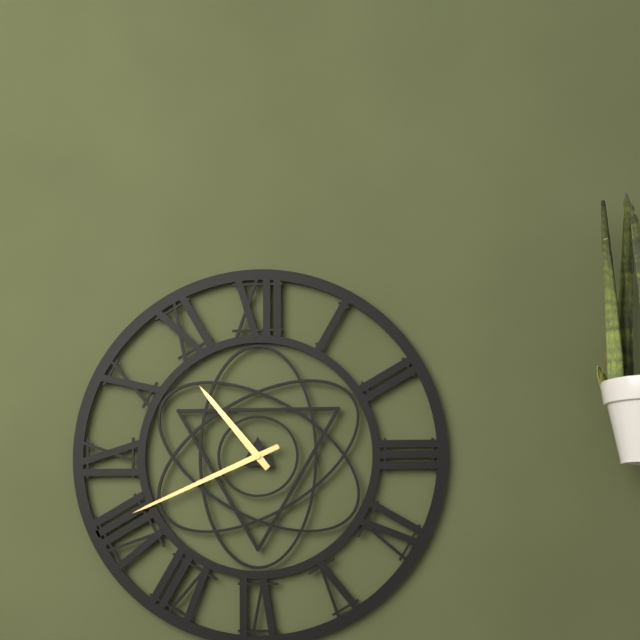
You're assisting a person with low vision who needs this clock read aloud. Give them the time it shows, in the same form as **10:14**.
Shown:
**10:41**
